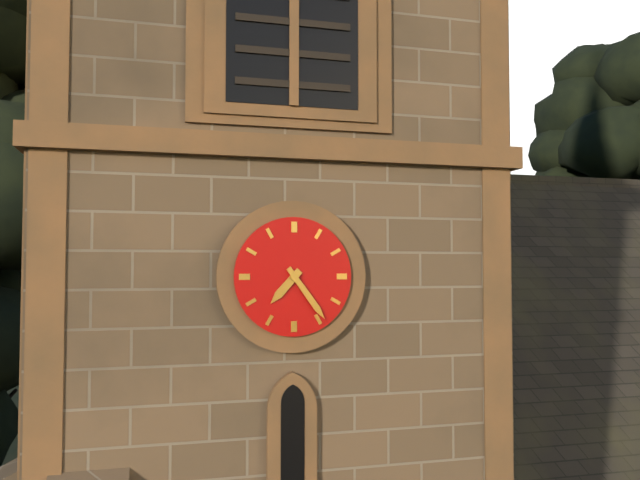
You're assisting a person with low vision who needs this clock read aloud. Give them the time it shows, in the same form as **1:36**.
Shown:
**7:24**
